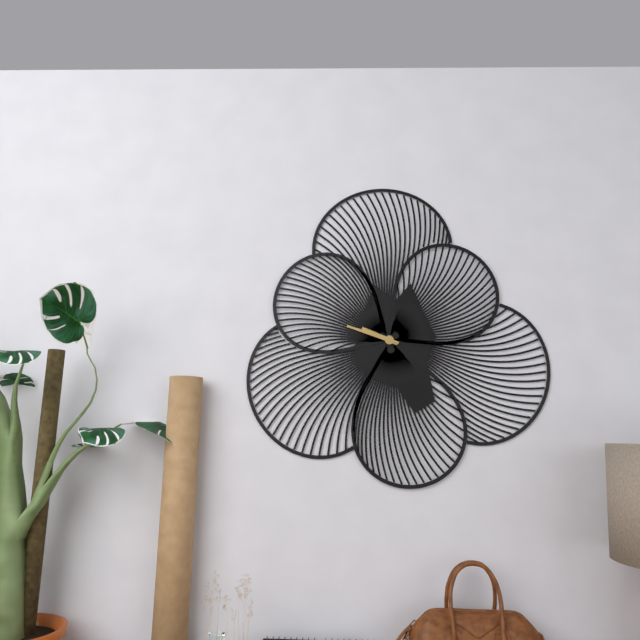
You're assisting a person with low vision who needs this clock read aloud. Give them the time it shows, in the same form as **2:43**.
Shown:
**9:48**
